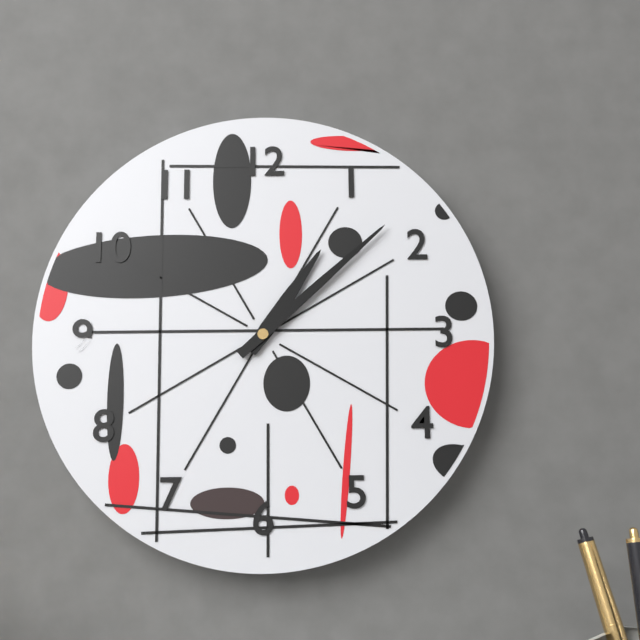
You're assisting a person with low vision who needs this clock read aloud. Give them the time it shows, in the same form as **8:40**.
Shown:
**1:08**
